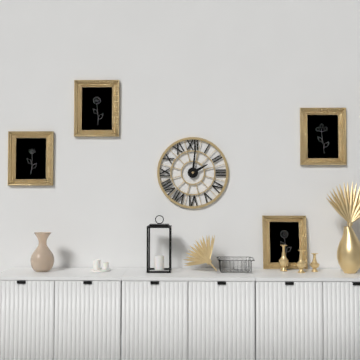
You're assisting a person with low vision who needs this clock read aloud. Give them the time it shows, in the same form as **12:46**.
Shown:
**2:01**
